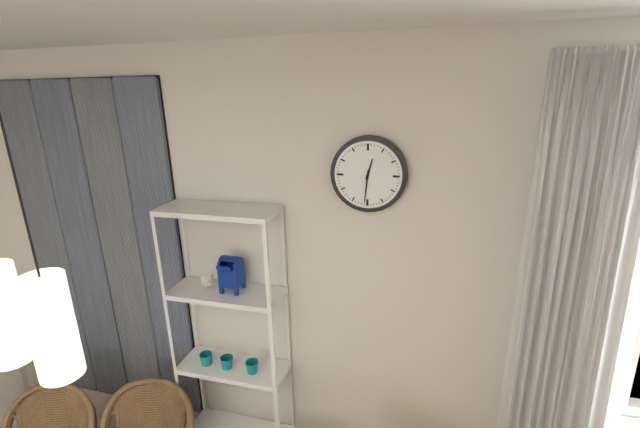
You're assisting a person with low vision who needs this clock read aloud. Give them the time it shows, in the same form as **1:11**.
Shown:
**12:31**
